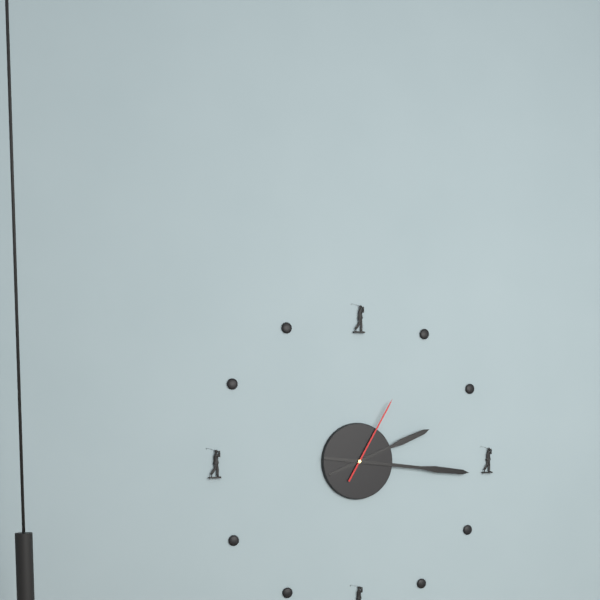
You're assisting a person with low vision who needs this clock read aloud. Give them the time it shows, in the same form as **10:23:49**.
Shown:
**2:16:05**
